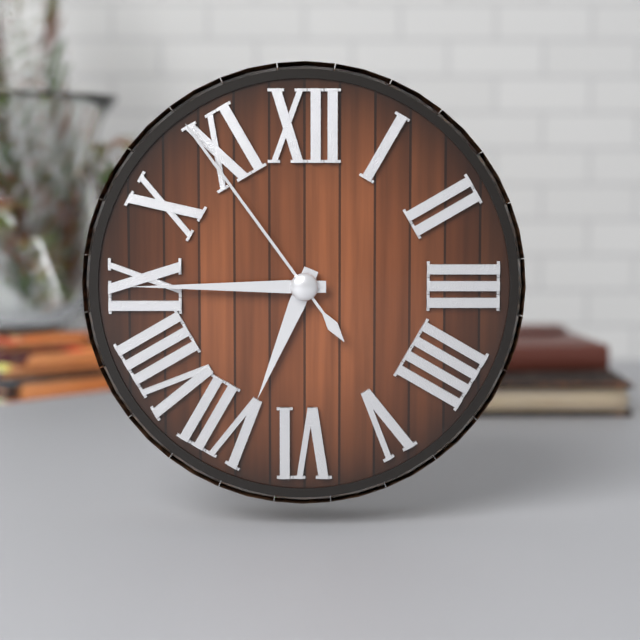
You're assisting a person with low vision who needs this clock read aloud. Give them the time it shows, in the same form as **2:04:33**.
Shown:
**6:45:54**
